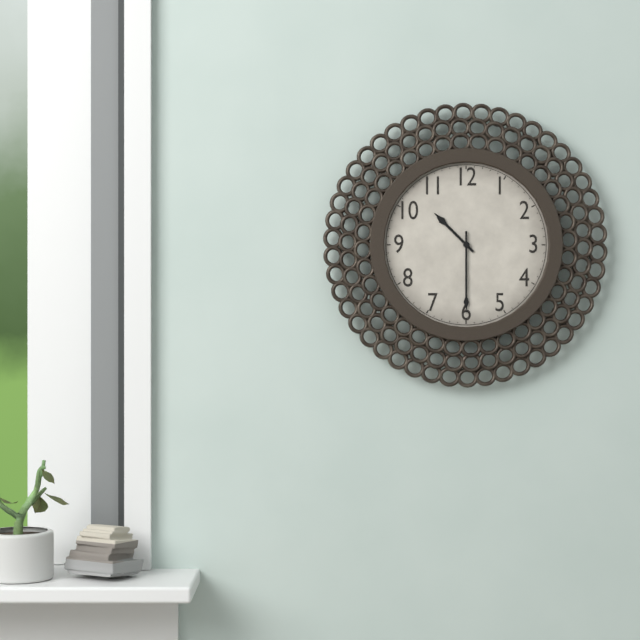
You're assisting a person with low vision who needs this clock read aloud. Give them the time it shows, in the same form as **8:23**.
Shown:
**10:30**
